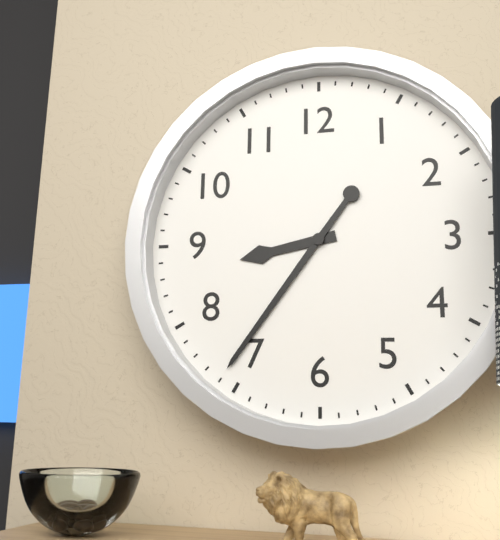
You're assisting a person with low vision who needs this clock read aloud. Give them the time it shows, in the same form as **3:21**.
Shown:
**8:36**
